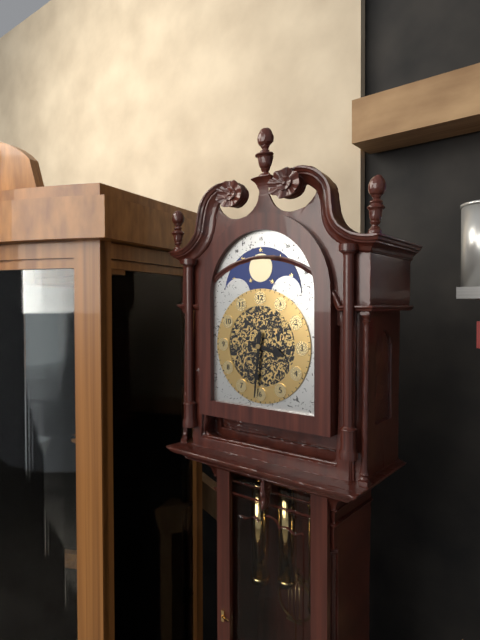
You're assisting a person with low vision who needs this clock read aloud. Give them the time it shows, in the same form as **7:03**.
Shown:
**3:31**
